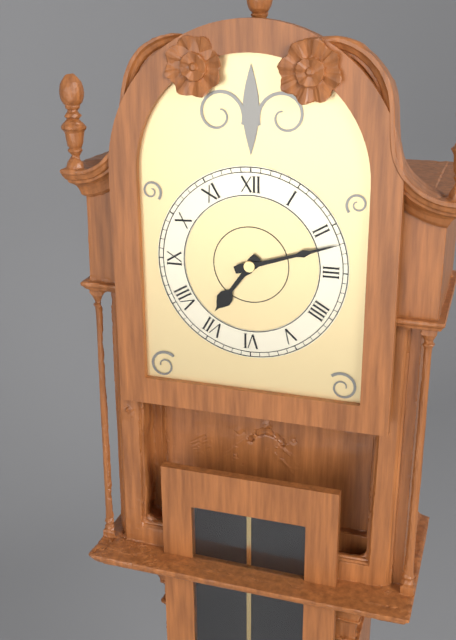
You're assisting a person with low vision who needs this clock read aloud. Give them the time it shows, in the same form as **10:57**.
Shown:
**7:12**
